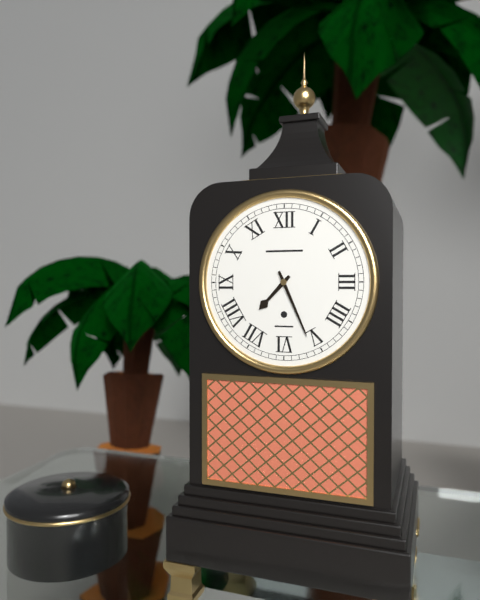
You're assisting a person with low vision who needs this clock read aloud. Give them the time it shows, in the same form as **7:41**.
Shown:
**7:26**
